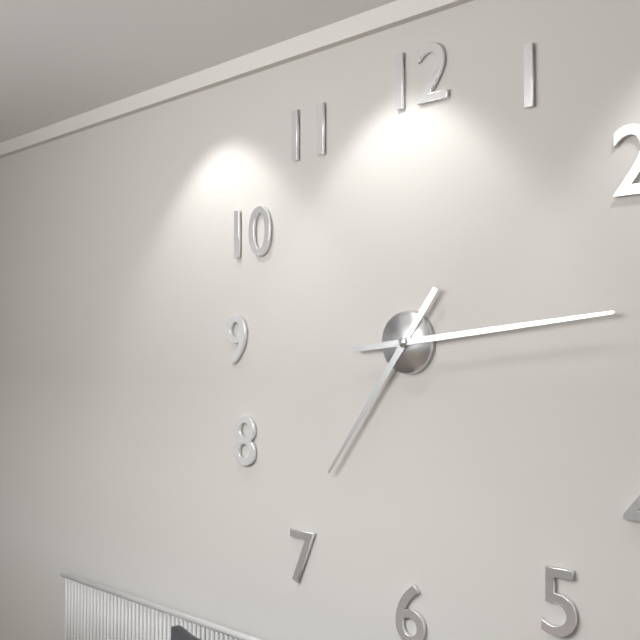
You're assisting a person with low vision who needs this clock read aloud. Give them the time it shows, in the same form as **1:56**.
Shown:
**7:14**
